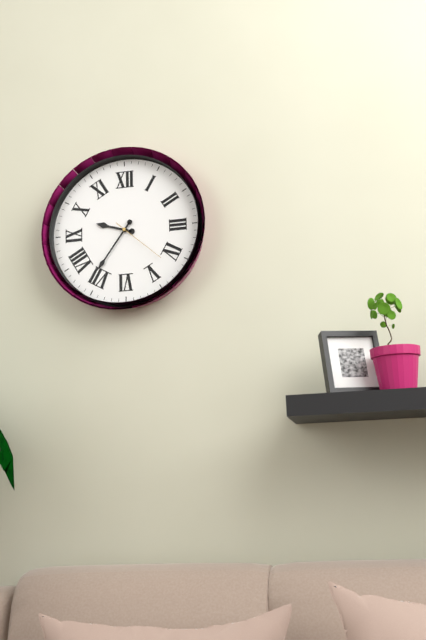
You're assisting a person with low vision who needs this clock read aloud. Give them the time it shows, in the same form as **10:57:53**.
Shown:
**9:36:22**
